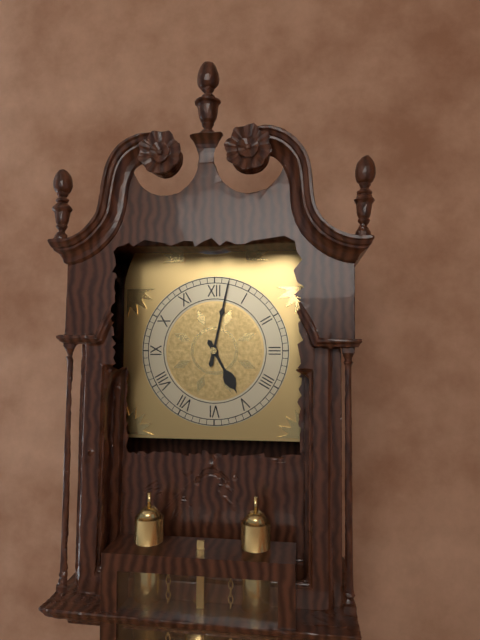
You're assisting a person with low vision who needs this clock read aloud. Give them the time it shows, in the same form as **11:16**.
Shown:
**5:02**
